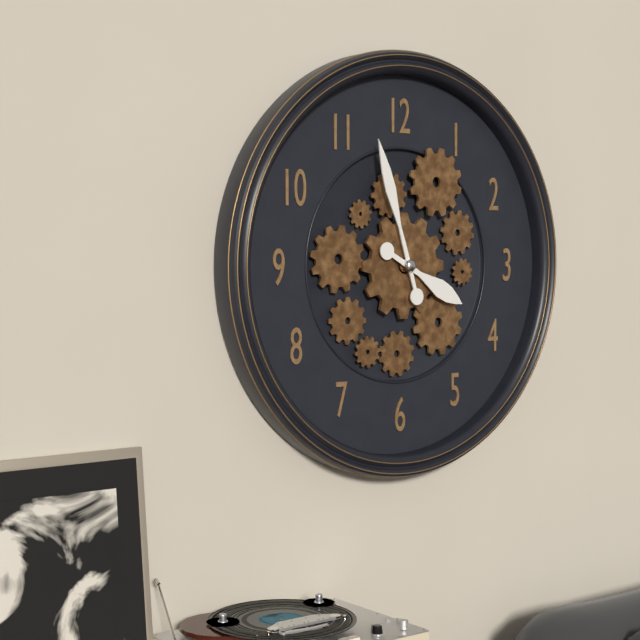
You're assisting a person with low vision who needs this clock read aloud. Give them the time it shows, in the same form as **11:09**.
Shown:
**3:57**
